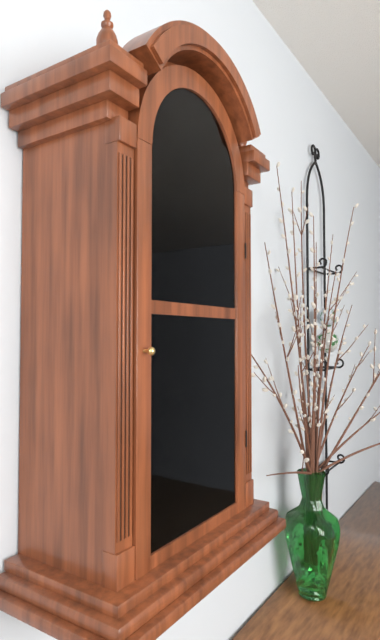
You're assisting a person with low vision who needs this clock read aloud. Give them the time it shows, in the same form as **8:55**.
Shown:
**9:16**
